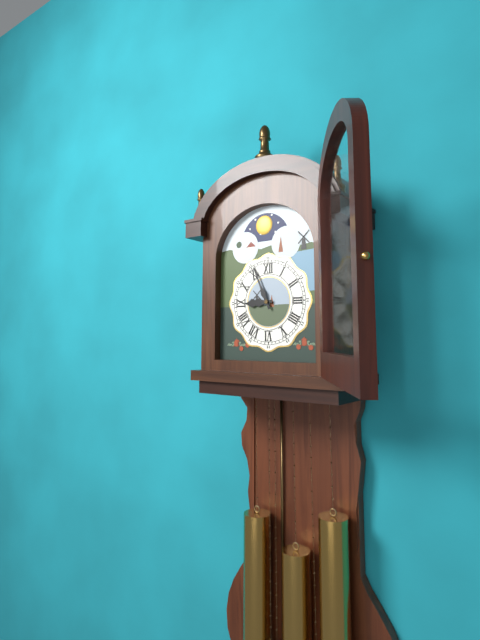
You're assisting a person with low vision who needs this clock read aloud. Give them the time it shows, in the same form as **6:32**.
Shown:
**8:56**
